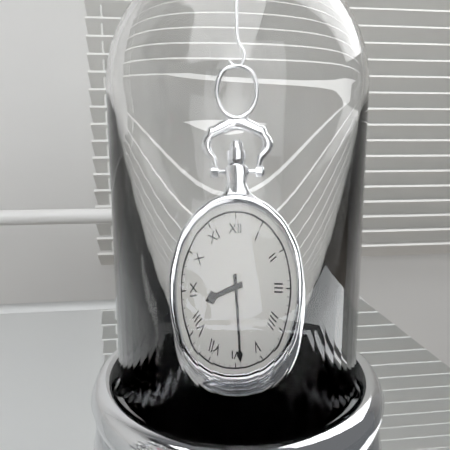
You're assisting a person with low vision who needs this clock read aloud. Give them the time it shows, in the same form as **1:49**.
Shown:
**8:29**
